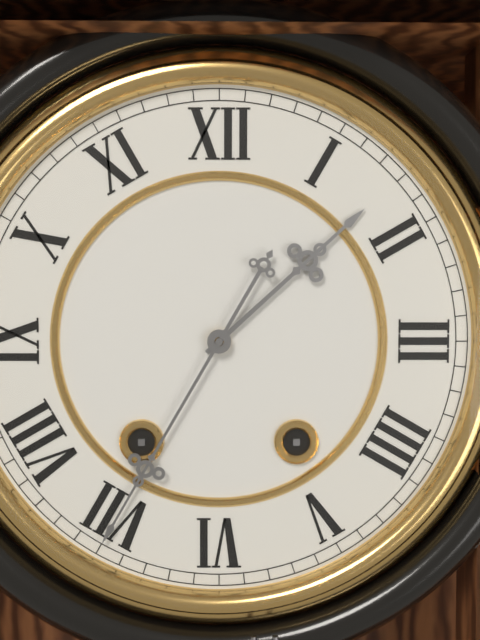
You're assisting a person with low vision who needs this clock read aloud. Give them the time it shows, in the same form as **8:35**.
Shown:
**1:35**
